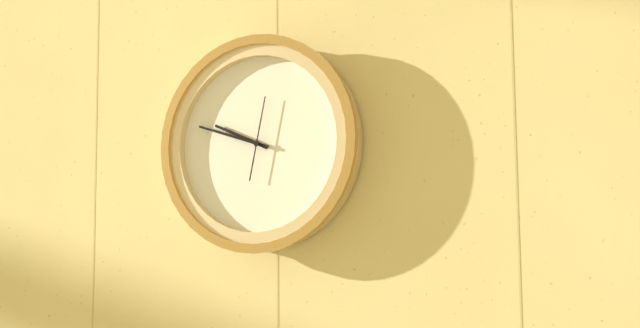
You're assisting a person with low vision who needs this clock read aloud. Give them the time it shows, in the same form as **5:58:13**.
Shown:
**9:48:02**
